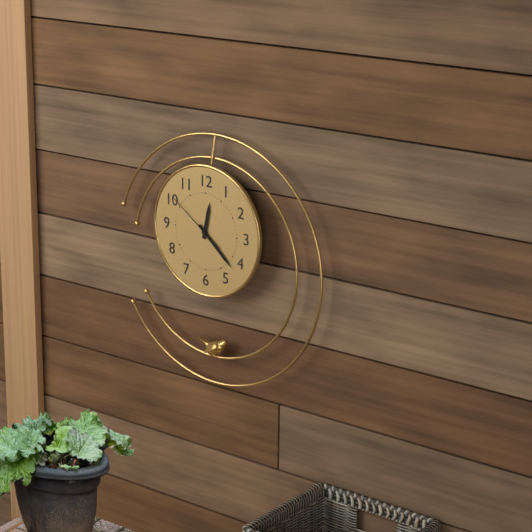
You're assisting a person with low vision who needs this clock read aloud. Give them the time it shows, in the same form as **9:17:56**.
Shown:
**12:22:51**
